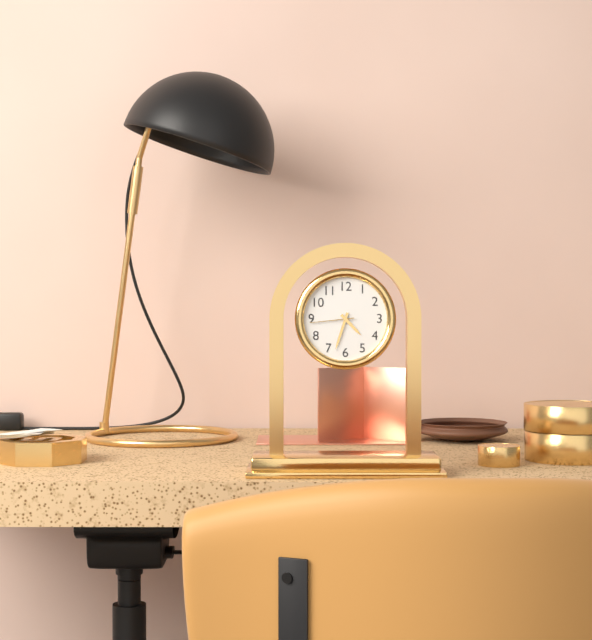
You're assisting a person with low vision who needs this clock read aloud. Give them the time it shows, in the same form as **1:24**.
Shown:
**4:33**
